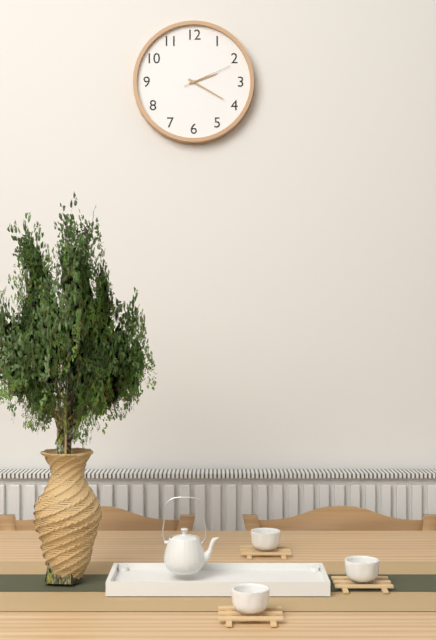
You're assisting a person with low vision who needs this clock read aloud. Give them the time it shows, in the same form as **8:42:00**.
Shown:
**2:20:11**
